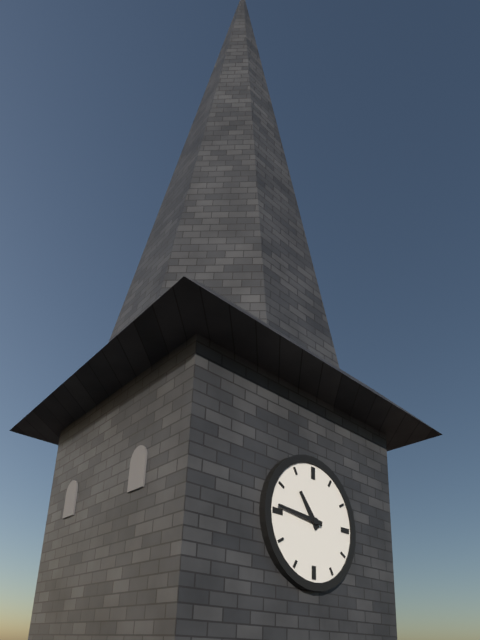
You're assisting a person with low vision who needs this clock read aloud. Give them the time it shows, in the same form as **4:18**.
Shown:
**10:46**
